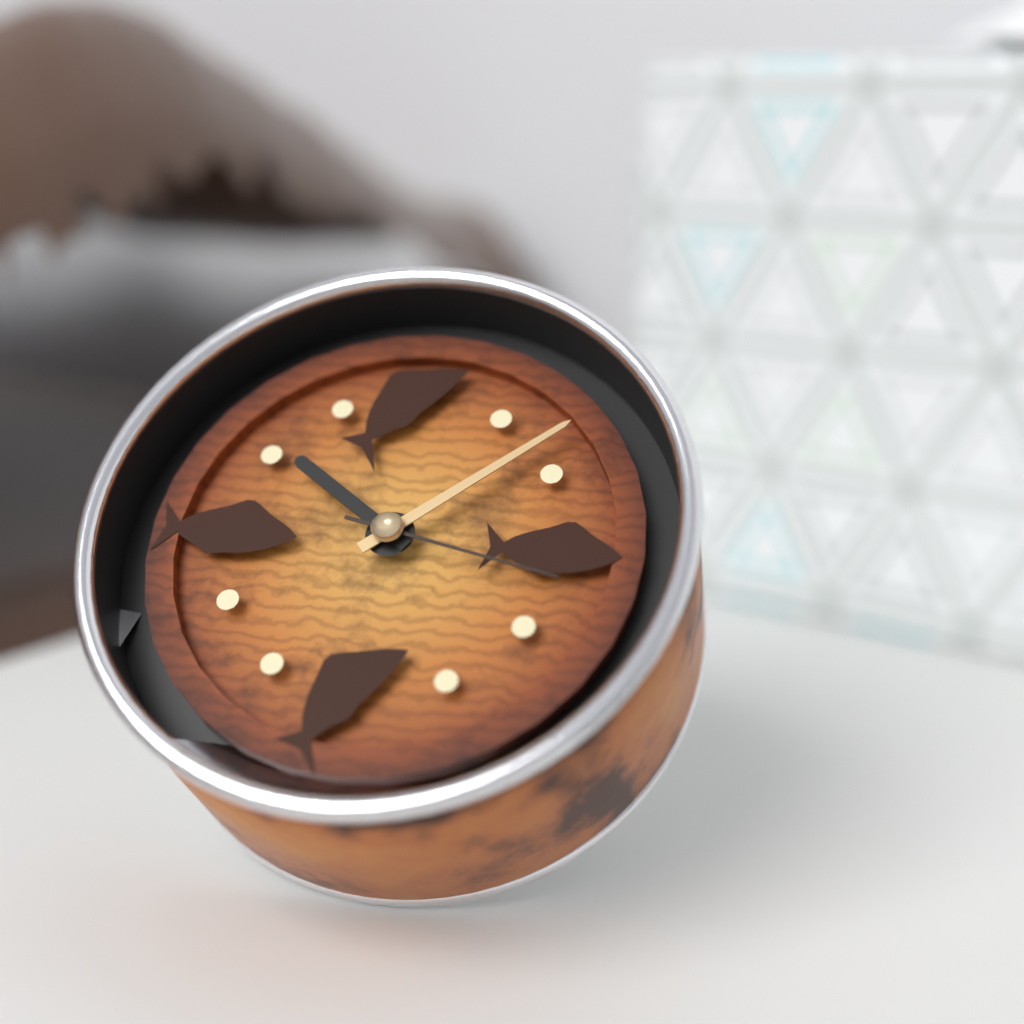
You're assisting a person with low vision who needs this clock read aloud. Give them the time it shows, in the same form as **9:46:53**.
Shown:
**10:08:17**
